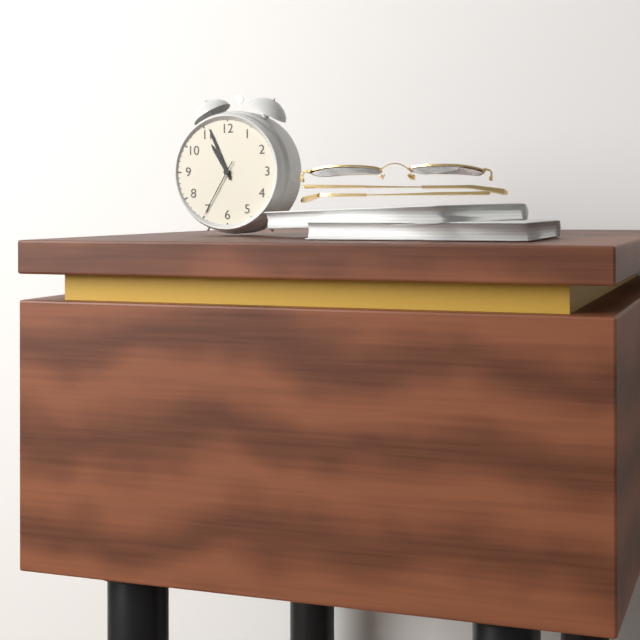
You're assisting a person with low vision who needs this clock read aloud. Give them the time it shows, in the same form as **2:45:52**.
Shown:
**10:56:35**
